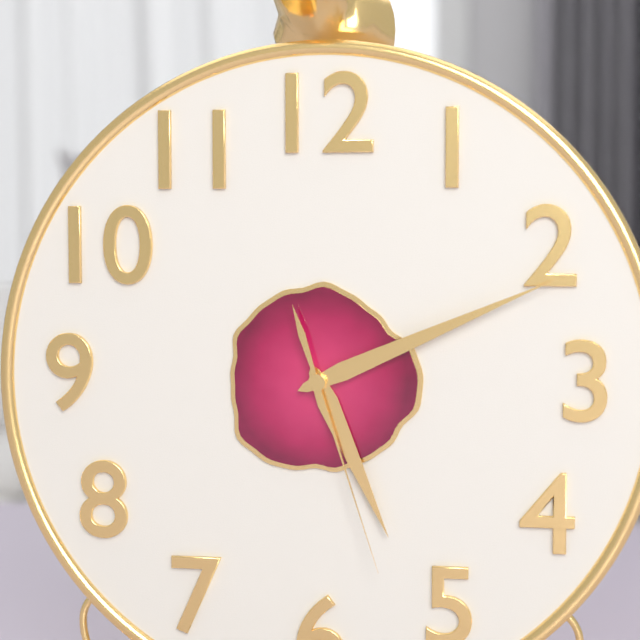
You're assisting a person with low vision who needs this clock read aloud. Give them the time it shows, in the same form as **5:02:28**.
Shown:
**5:11:27**
